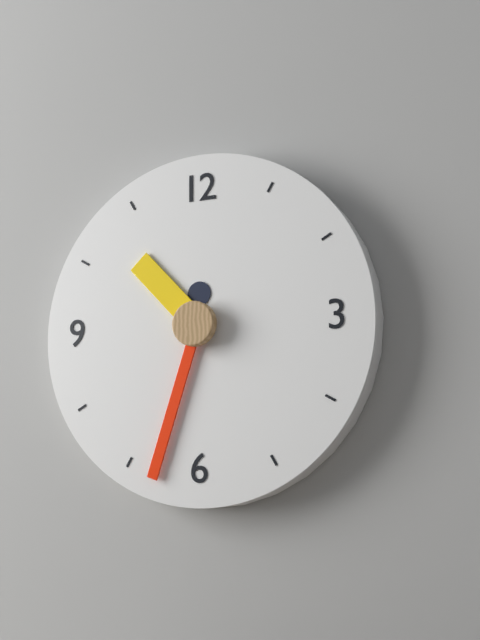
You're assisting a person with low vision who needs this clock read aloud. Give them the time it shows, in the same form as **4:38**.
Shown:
**10:33**
